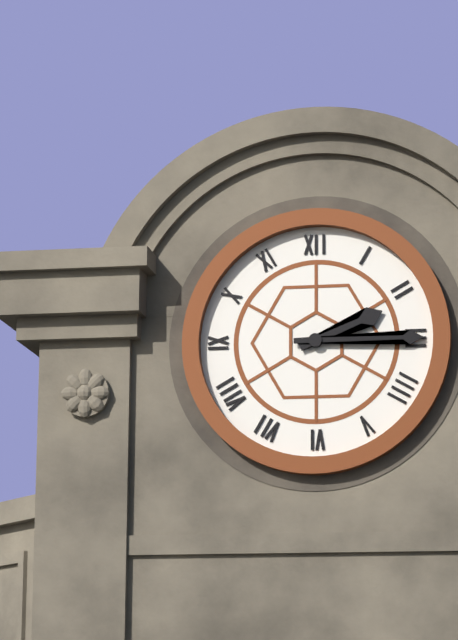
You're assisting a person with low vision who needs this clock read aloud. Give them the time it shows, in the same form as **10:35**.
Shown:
**2:15**
